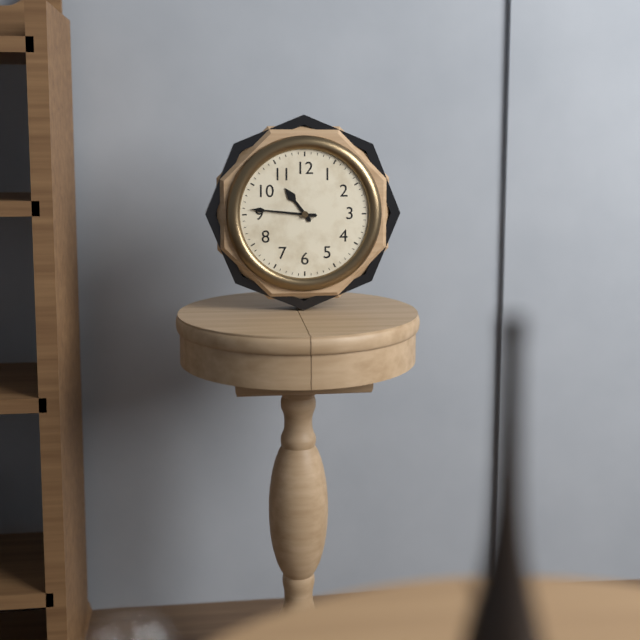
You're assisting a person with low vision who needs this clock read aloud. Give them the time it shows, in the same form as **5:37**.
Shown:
**10:46**
